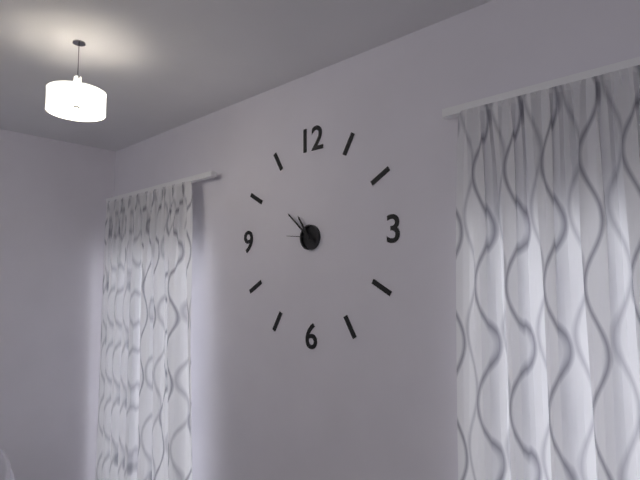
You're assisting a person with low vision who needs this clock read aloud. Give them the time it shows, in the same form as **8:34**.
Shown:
**10:52**
